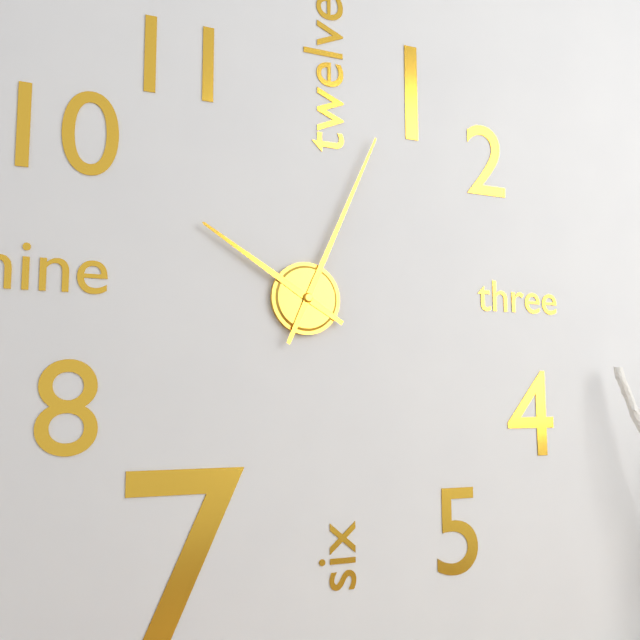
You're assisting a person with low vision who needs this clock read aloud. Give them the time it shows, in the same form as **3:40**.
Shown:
**10:04**
